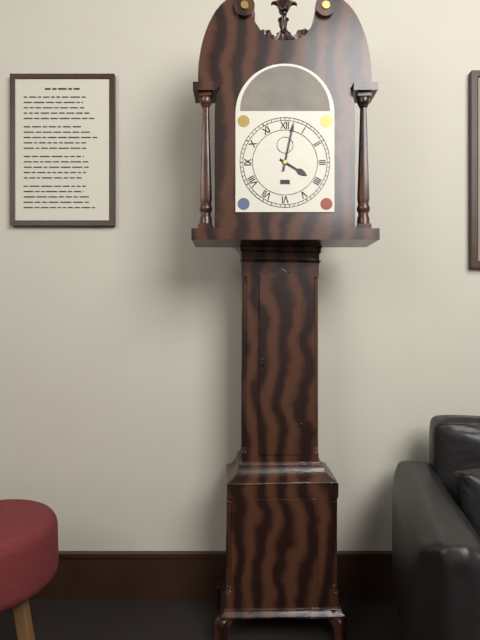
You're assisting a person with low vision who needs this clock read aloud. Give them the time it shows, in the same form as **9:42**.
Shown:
**4:02**
